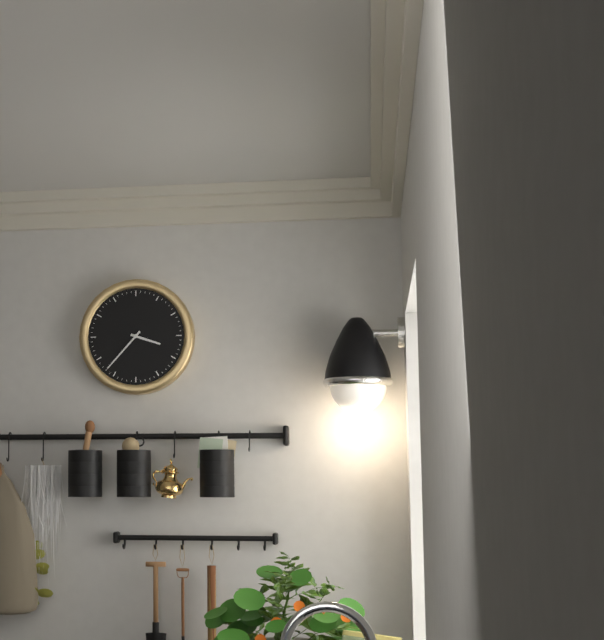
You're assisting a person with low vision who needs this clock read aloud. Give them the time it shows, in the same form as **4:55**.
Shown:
**3:37**
